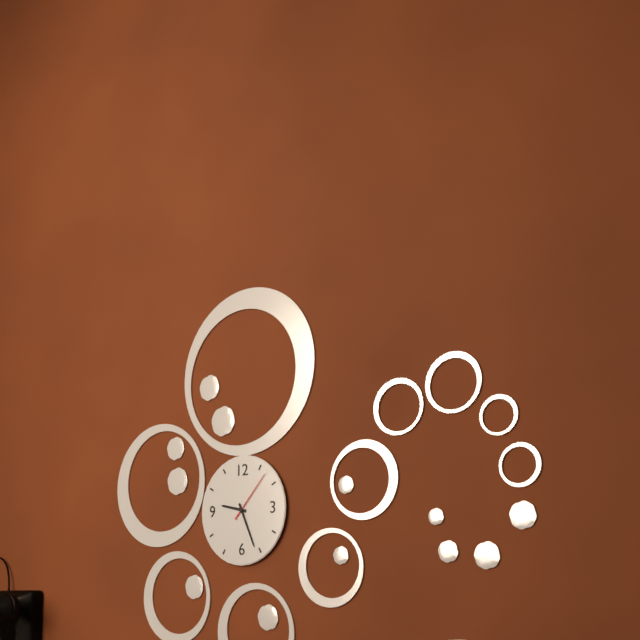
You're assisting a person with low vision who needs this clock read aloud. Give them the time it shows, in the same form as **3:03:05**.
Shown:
**9:26:07**
